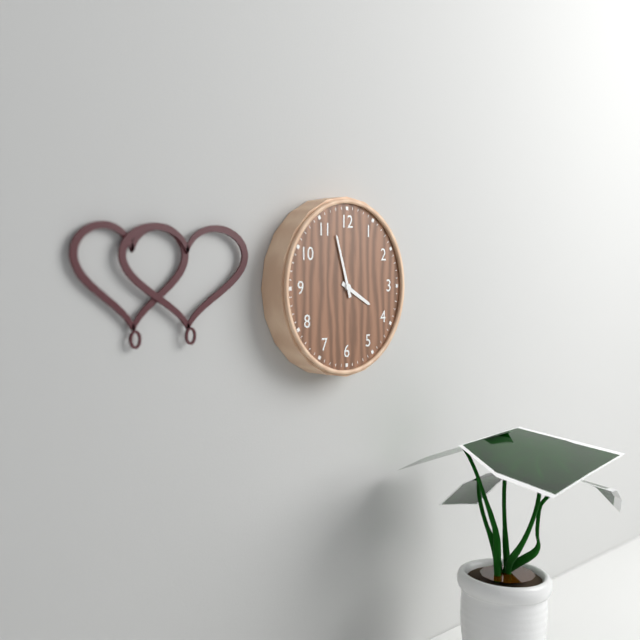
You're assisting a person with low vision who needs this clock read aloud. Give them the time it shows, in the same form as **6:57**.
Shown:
**3:57**
